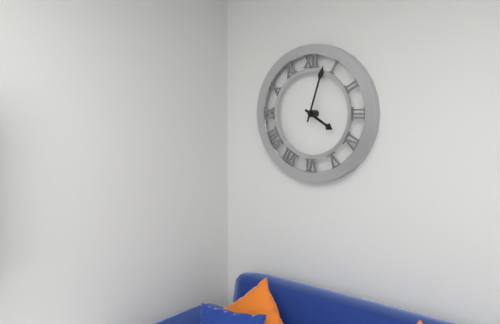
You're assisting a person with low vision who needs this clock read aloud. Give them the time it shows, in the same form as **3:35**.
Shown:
**4:03**
